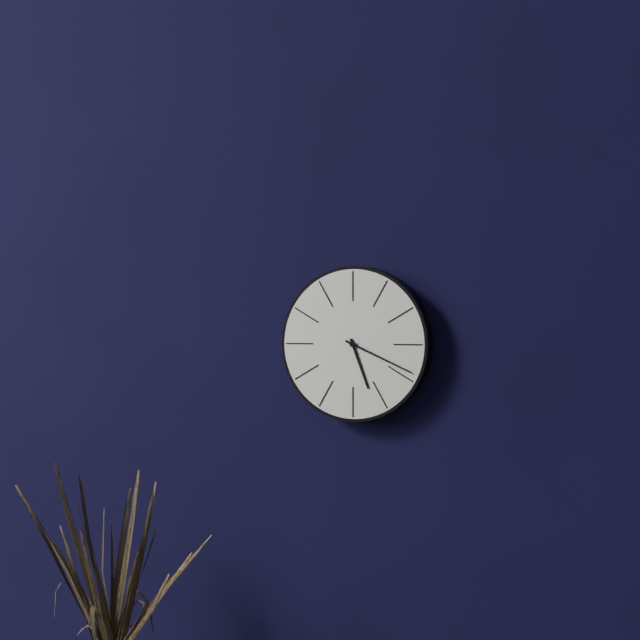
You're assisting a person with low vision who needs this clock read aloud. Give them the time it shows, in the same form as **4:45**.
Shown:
**5:19**
